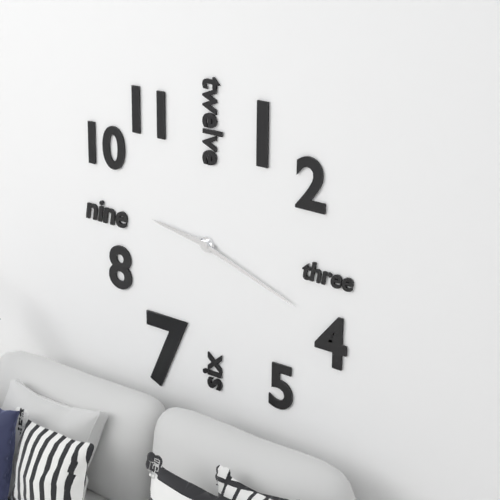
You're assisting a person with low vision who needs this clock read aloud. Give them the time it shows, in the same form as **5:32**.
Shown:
**9:18**
